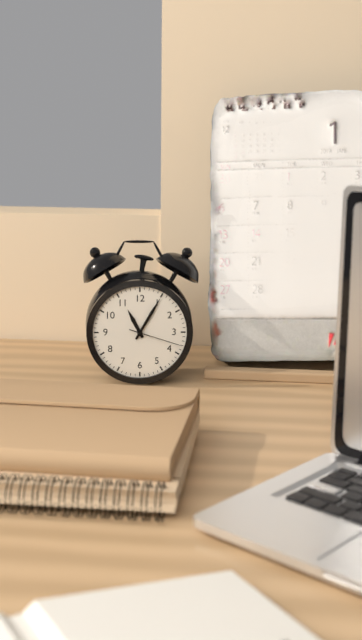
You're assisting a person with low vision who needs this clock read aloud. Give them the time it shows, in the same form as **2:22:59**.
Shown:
**11:05:18**
